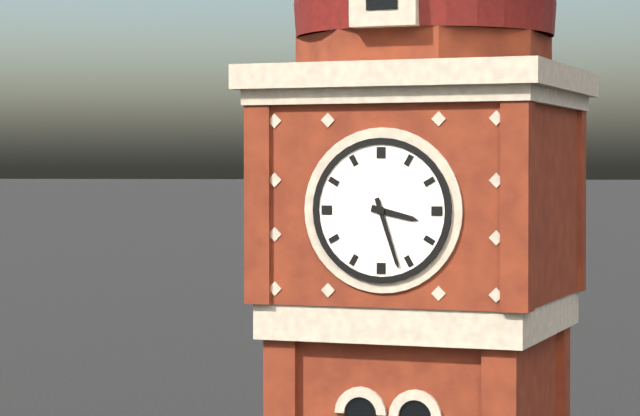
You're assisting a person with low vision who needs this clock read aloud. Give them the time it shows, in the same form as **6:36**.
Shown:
**3:27**
